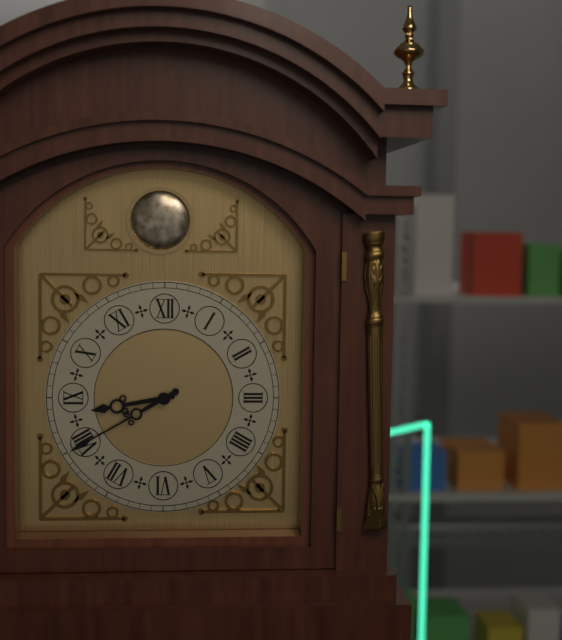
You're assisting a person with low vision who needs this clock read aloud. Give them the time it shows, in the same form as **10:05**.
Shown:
**8:40**
